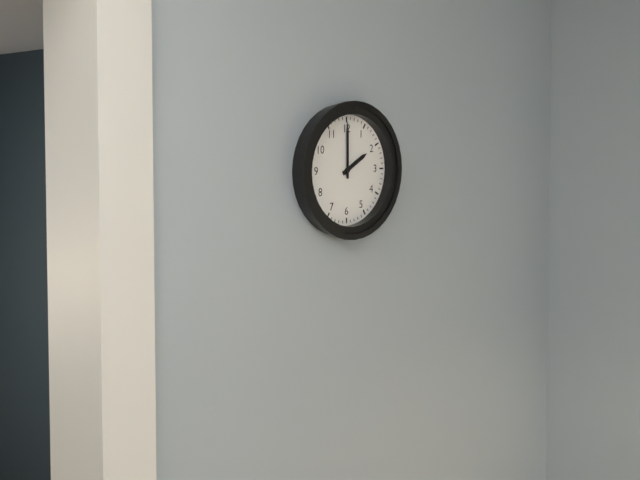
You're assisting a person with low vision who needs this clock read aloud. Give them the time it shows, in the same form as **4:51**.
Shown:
**2:00**
